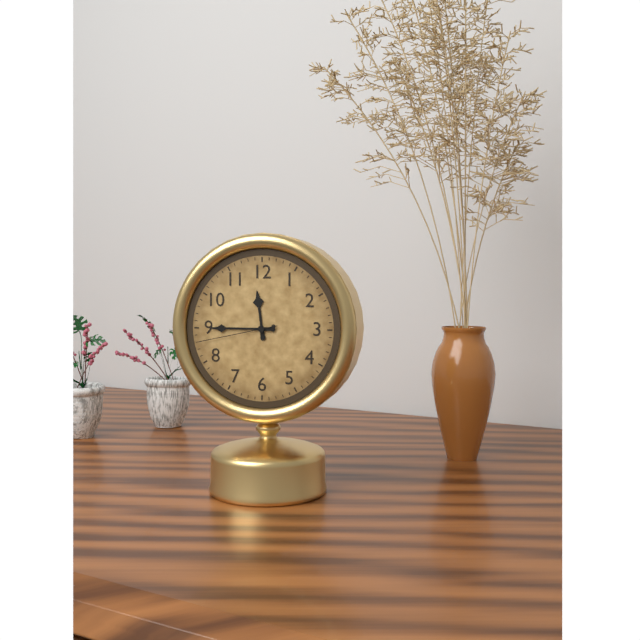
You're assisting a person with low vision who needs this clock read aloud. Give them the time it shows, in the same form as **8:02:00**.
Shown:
**11:45:43**
